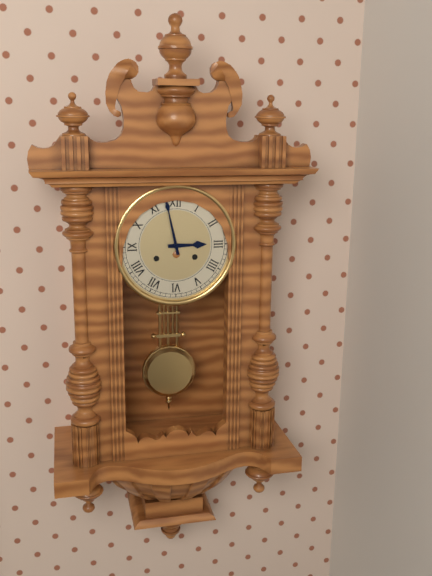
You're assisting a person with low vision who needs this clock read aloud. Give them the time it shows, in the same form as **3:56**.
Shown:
**2:58**
